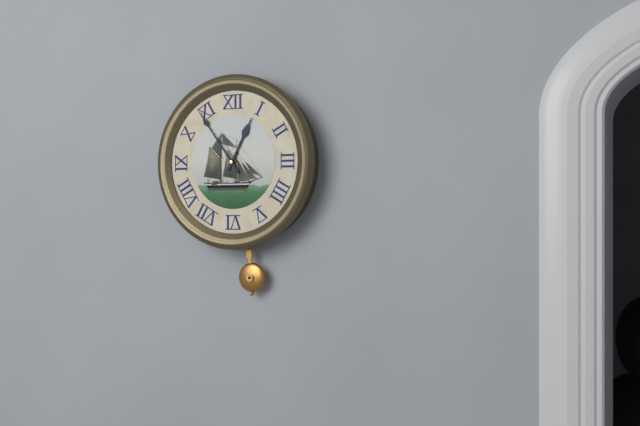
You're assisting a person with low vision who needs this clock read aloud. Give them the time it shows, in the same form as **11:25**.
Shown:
**12:54**
